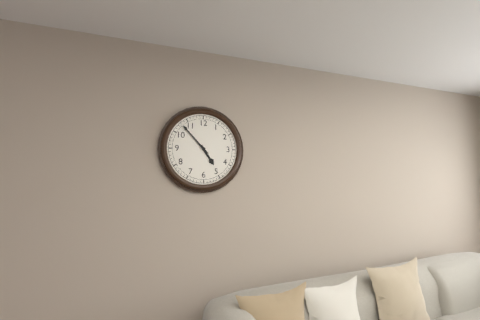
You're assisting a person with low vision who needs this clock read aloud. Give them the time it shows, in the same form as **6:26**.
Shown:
**4:53**
